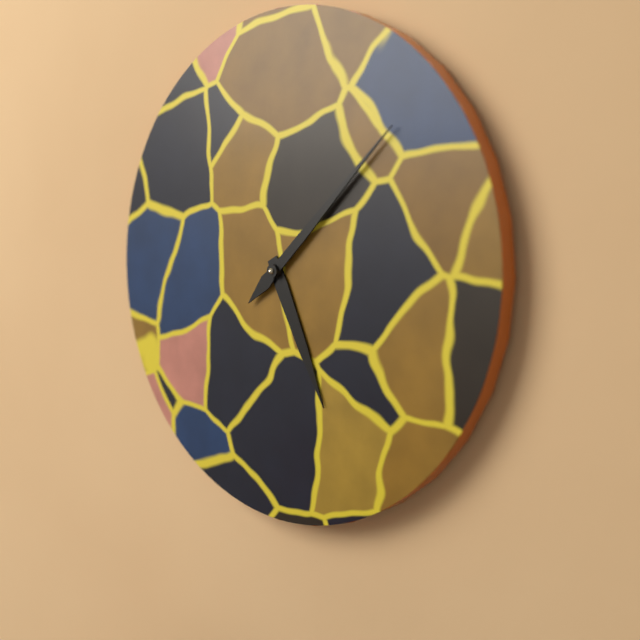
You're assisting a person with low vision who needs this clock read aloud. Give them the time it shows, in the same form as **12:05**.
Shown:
**5:08**
